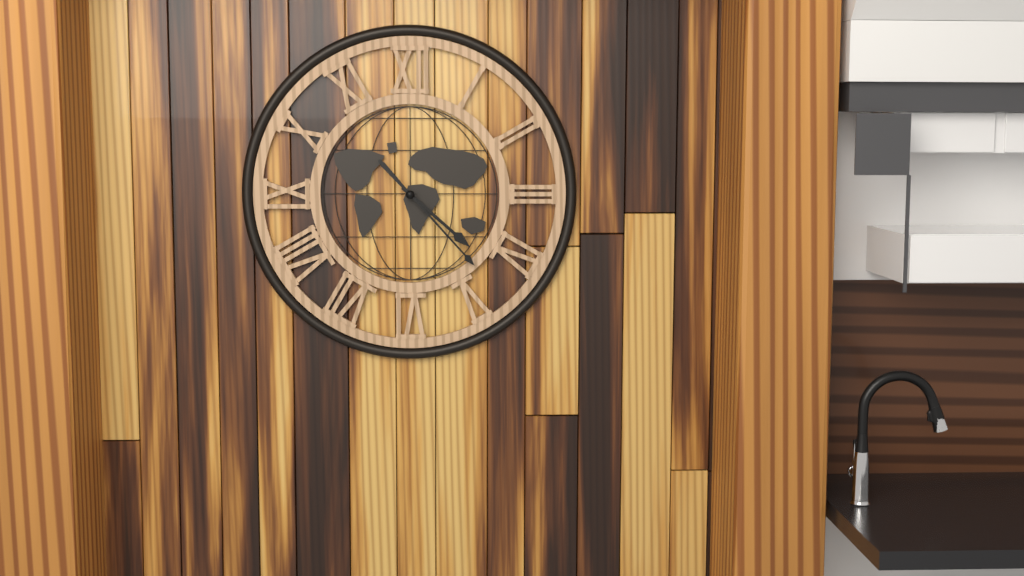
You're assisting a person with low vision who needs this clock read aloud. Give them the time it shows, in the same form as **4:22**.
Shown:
**4:23**
